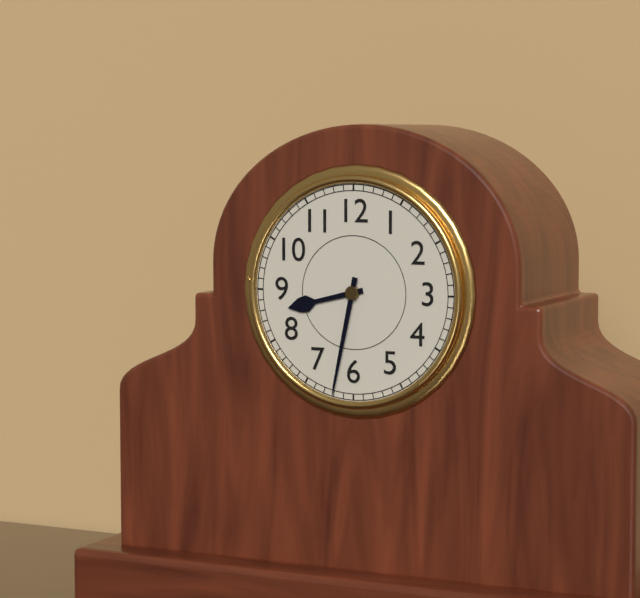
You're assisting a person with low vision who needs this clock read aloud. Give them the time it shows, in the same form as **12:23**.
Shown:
**8:32**
